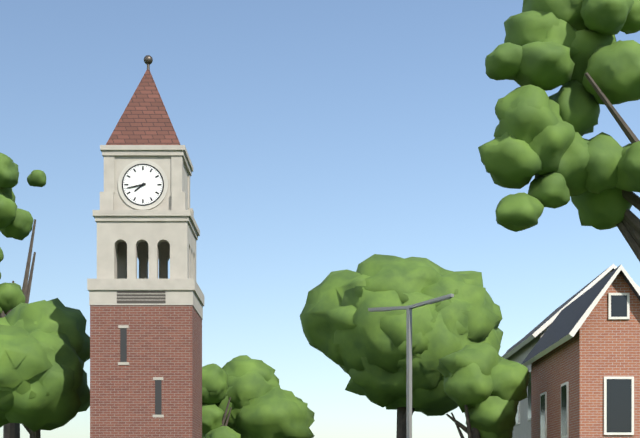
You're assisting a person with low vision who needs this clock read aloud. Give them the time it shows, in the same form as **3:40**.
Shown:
**7:43**
